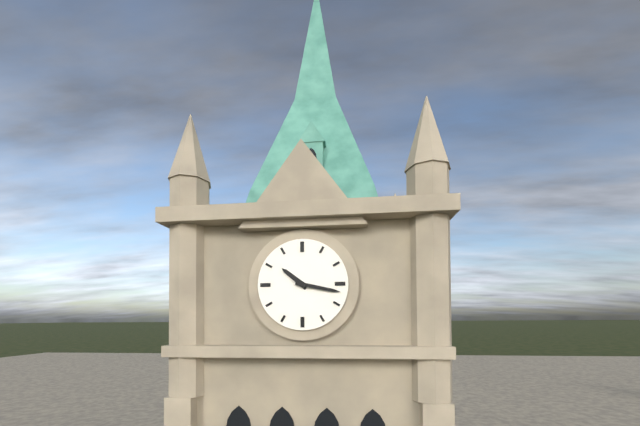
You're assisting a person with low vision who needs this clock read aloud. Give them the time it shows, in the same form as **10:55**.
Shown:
**10:17**
